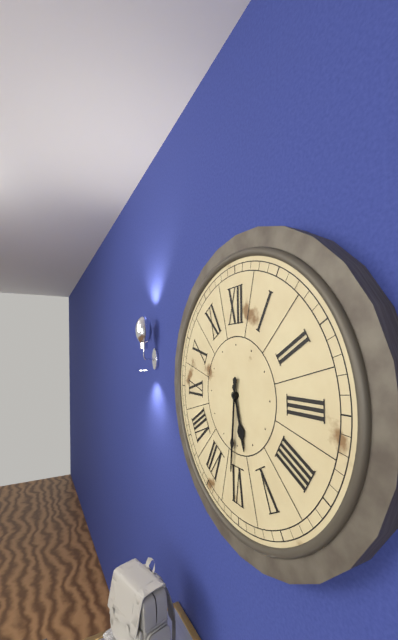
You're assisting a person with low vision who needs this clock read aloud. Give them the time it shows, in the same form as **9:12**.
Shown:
**5:31**
